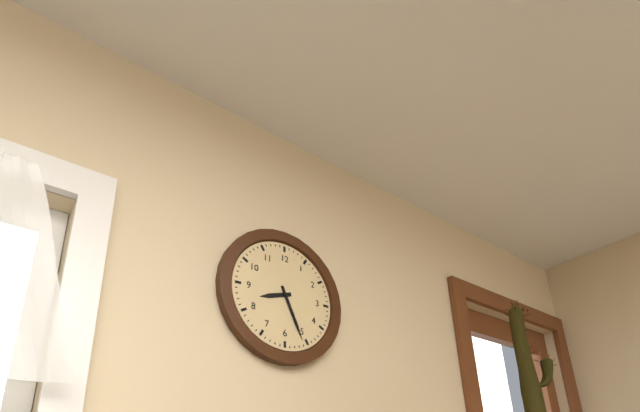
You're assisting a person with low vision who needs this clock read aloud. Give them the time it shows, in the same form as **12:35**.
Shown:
**8:26**
